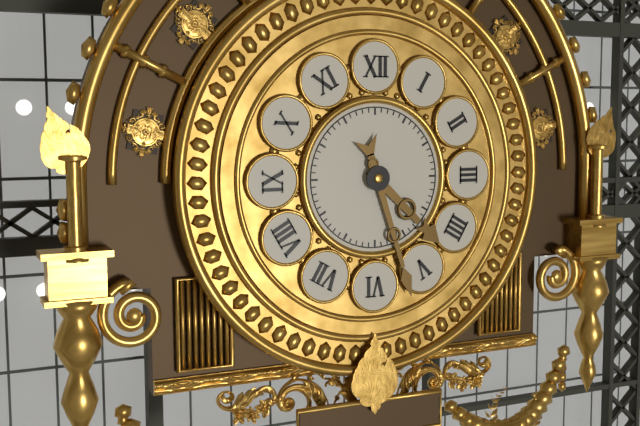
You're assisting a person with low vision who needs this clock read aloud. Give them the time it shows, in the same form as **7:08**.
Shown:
**4:27**
